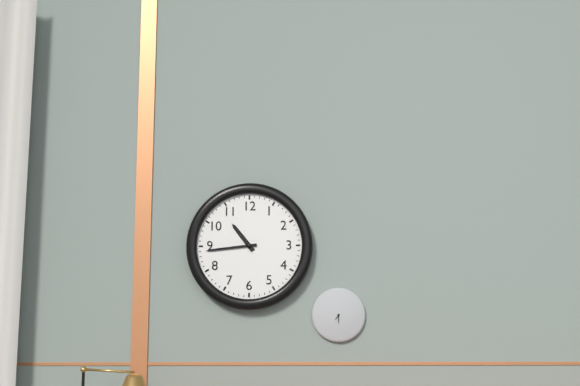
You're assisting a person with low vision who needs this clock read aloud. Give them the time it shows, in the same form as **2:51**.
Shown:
**10:44**
